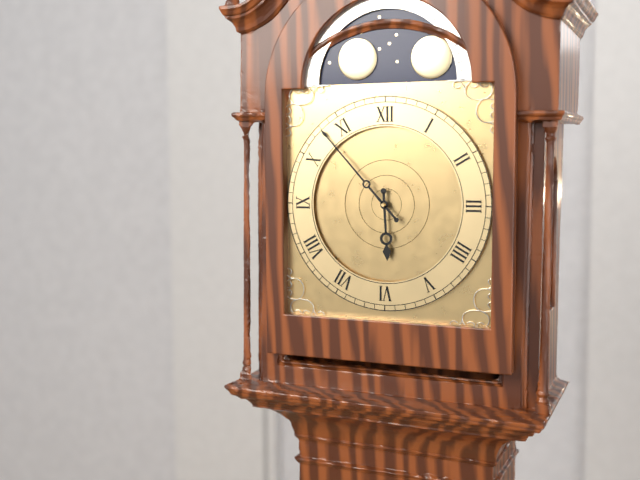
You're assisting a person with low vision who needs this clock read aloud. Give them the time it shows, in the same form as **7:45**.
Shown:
**5:53**
